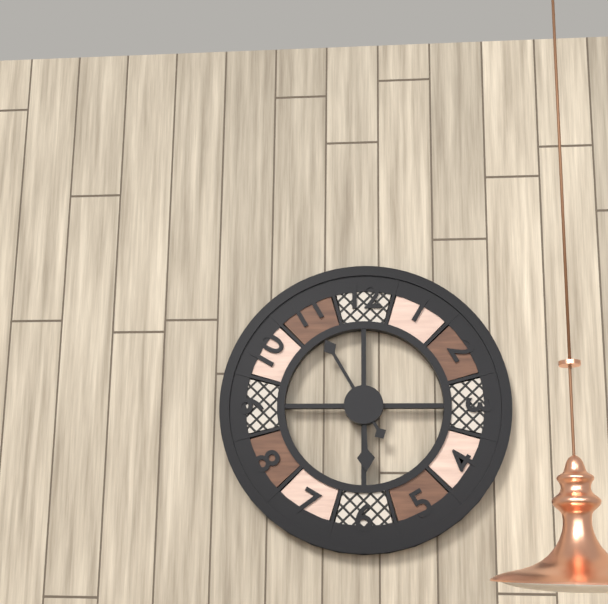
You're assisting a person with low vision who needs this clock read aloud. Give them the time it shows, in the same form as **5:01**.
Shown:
**5:55**
